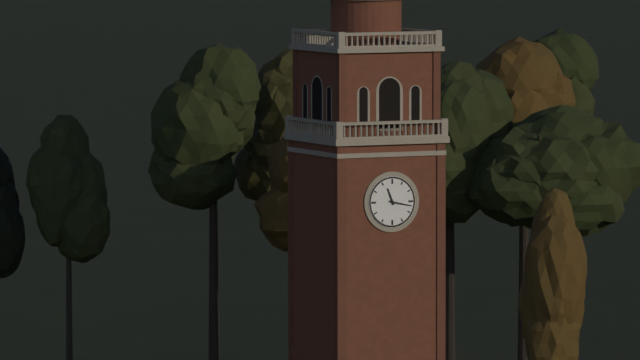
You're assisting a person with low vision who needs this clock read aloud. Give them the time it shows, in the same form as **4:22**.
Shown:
**11:17**
